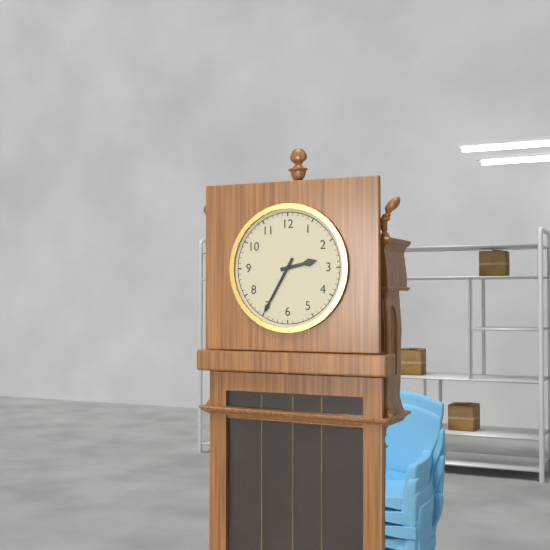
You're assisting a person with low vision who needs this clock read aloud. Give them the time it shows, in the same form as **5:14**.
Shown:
**2:35**
